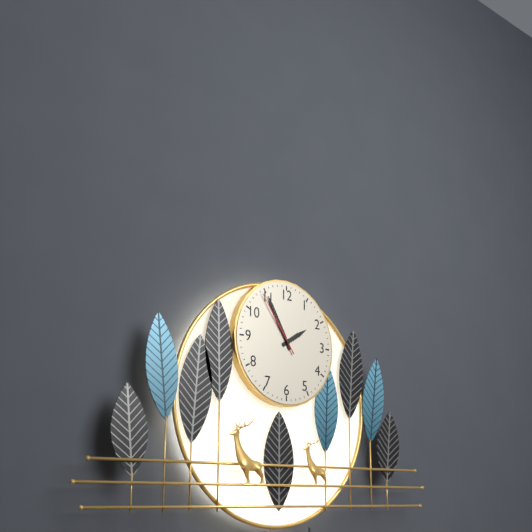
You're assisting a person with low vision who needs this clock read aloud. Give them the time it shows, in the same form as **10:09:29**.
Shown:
**1:55:54**
